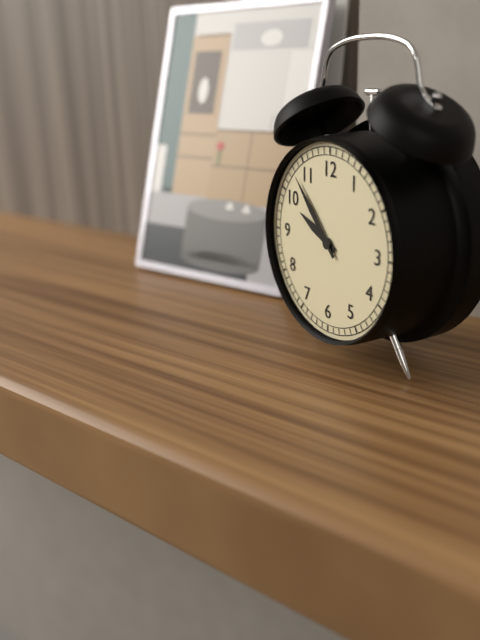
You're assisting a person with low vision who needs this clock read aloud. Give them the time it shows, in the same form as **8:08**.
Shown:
**9:53**
